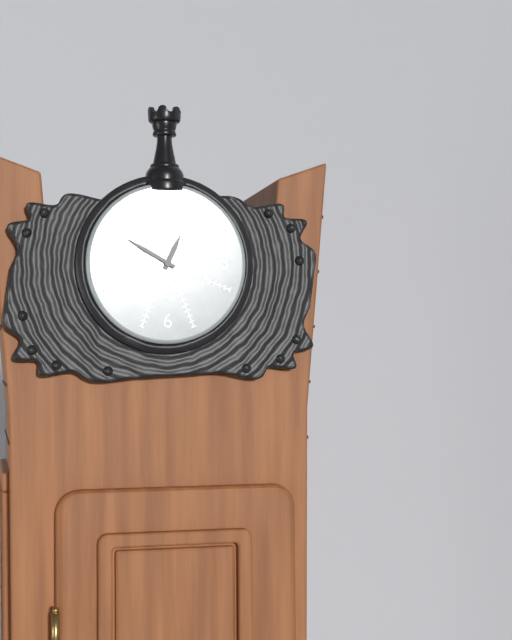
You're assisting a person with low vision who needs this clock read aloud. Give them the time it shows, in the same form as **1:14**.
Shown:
**12:50**
